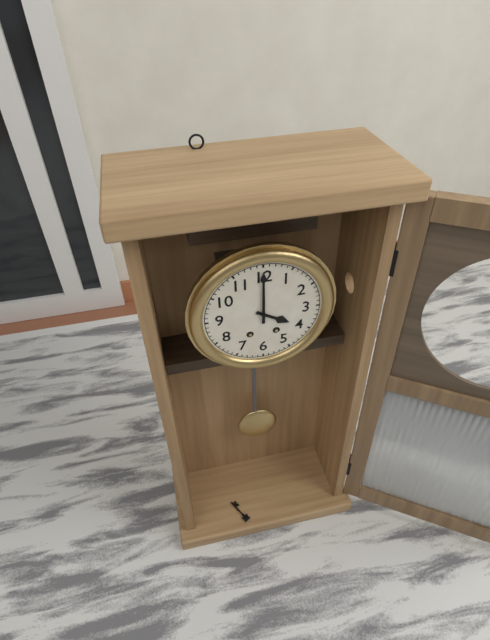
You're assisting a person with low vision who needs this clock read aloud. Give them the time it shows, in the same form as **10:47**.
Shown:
**4:00**
